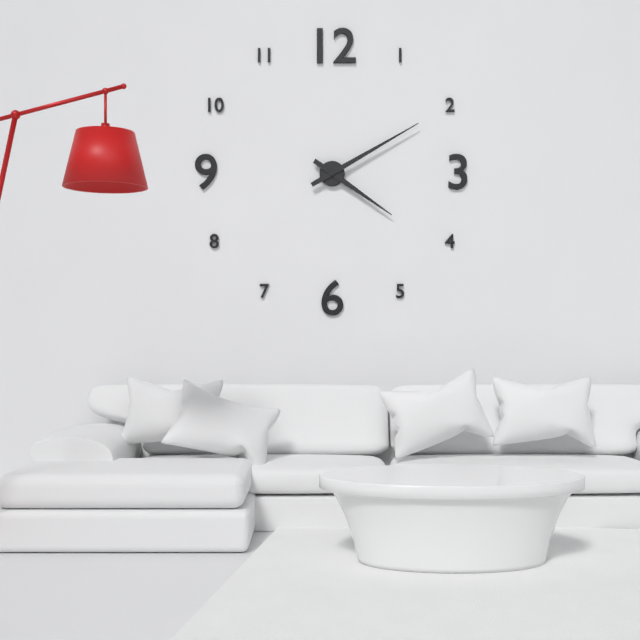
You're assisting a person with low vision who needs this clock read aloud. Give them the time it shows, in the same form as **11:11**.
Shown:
**4:10**
